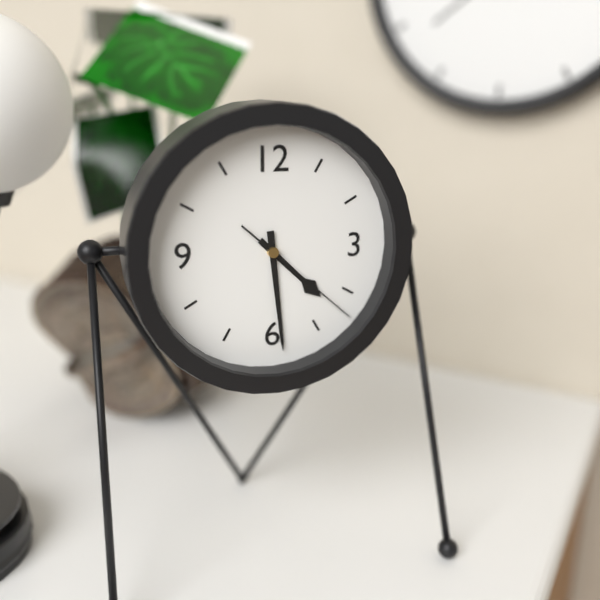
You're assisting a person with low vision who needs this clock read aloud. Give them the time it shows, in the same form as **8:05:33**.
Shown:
**4:29:22**
